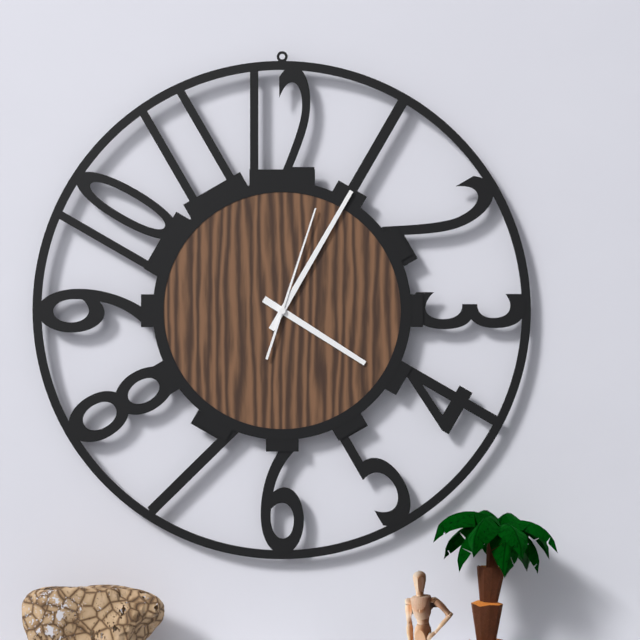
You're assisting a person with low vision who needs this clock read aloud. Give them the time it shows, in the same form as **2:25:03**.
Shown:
**4:05:03**
